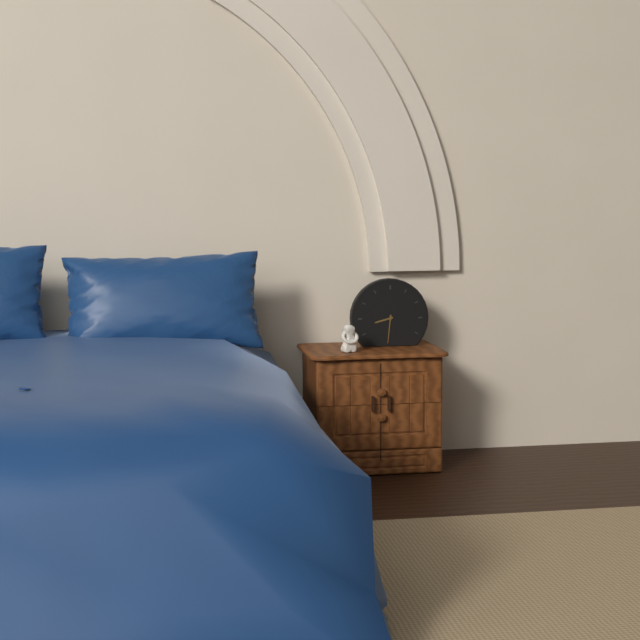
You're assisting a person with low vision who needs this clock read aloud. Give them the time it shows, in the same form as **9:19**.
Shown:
**8:31**
